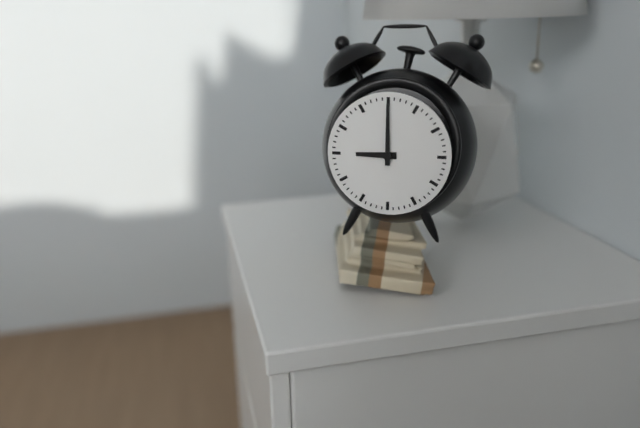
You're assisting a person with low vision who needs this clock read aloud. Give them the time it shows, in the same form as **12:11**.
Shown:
**9:00**
